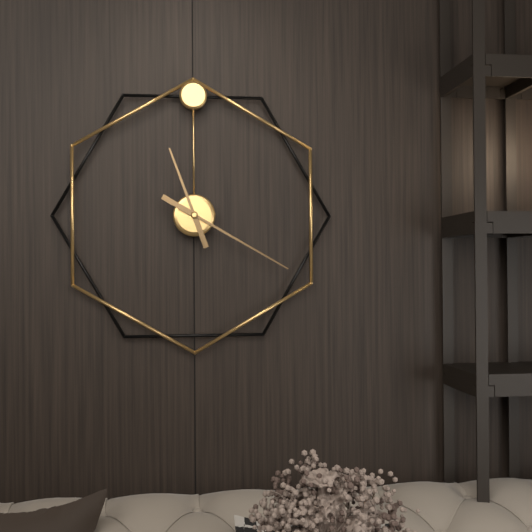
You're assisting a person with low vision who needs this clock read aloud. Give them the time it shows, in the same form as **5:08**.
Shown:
**11:20**
